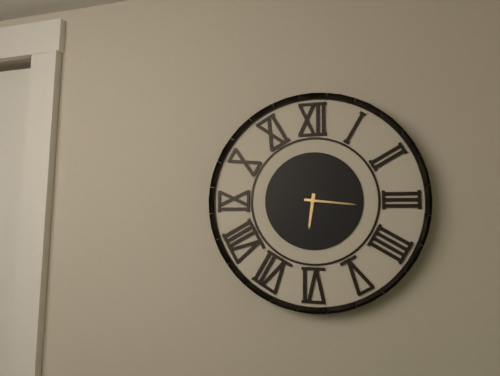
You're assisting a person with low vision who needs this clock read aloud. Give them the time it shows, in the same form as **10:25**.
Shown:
**6:16**
